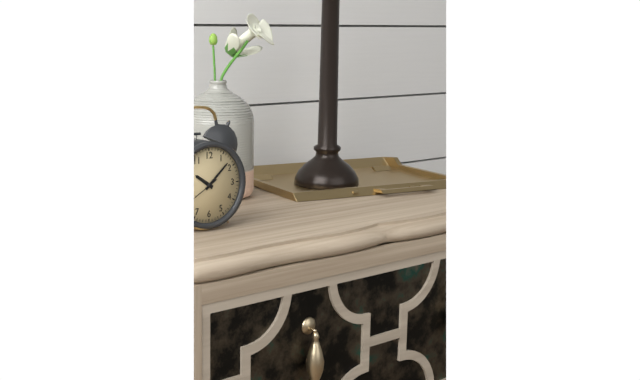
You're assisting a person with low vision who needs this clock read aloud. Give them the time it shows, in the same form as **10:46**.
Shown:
**10:08**
